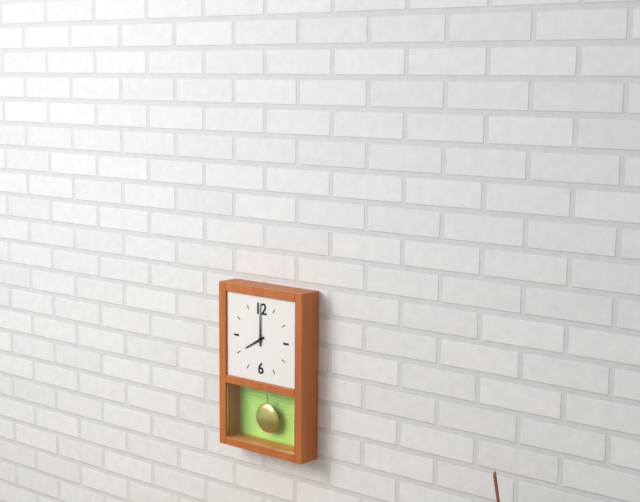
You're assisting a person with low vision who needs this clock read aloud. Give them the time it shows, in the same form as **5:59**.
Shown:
**8:00**
